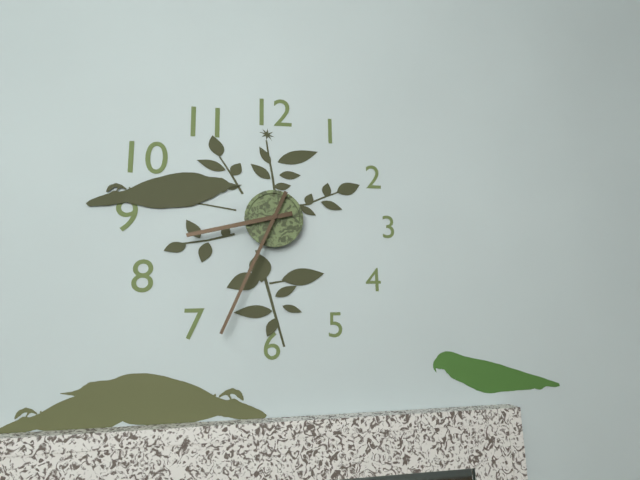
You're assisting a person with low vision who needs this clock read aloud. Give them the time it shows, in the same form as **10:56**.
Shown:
**8:34**
